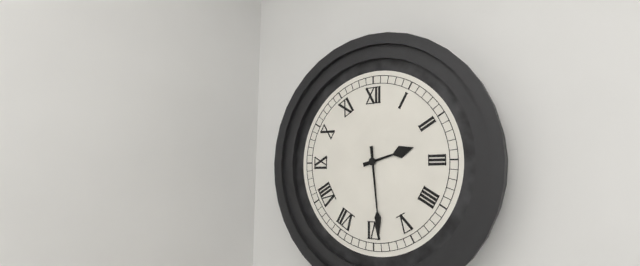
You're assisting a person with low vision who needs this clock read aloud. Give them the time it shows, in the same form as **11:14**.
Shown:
**2:29**
